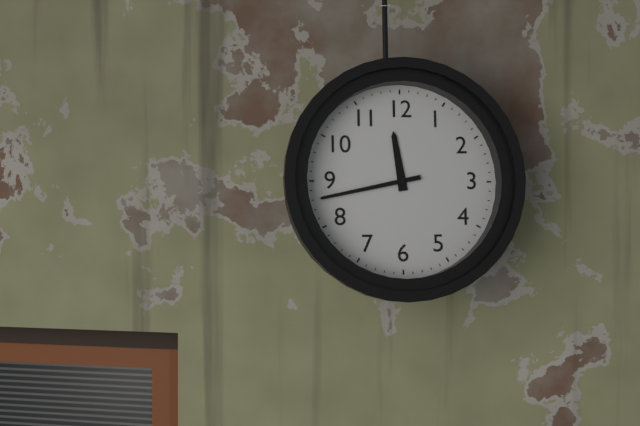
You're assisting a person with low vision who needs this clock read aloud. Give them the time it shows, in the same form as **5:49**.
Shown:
**11:43**
